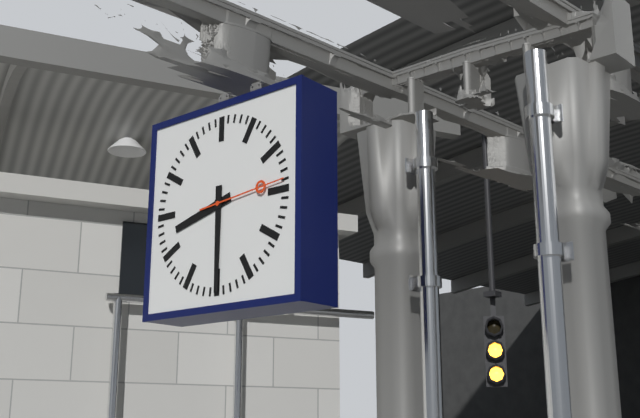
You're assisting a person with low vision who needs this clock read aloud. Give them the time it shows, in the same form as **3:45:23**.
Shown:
**8:30:14**
